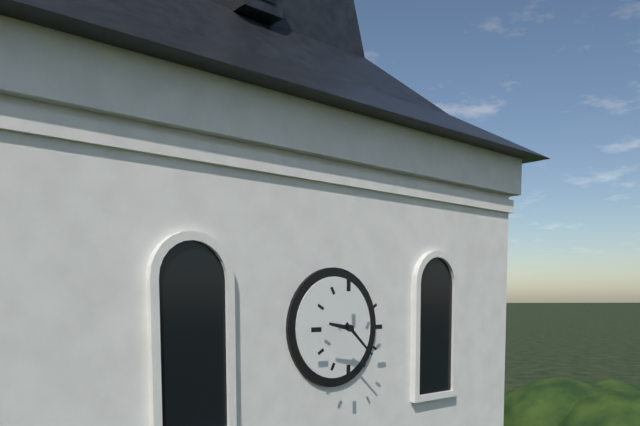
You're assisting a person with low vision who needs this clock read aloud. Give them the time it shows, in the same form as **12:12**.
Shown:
**9:22**
